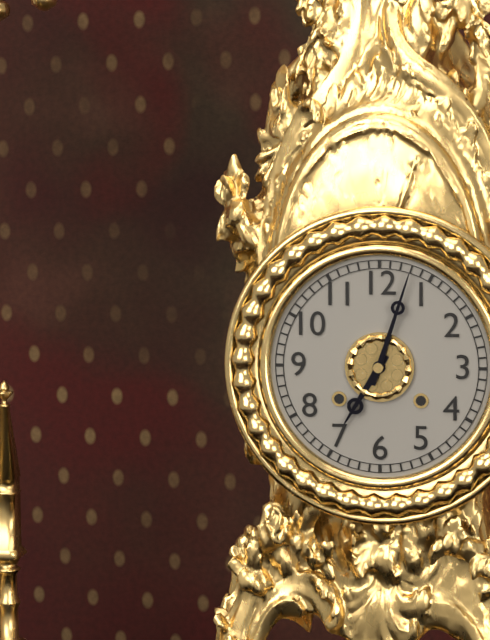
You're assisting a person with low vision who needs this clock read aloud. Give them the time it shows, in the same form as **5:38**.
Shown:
**7:03**
